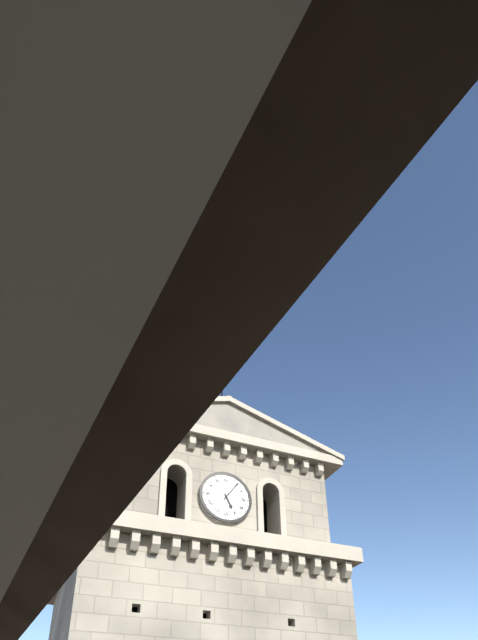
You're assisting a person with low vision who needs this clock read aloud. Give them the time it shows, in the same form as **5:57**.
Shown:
**5:06**
